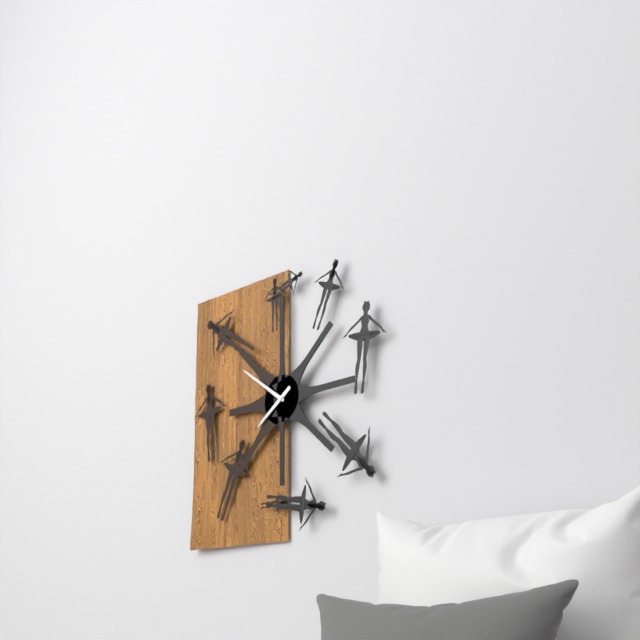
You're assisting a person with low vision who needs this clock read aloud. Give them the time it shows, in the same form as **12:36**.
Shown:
**7:51**
